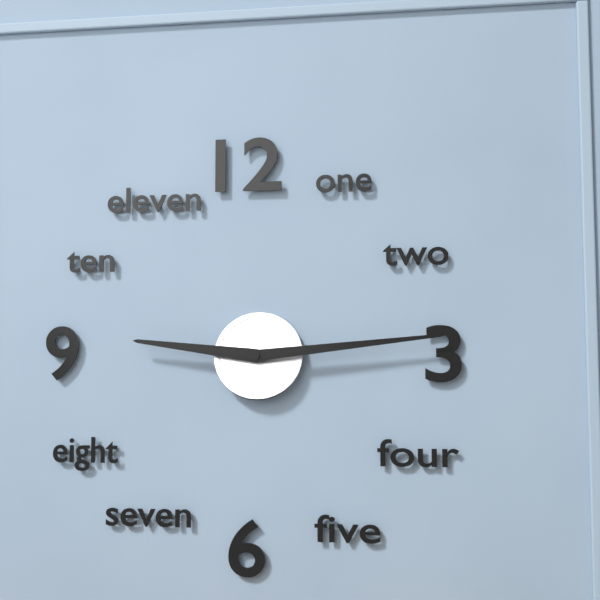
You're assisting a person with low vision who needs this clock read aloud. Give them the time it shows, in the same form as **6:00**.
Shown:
**9:14**
